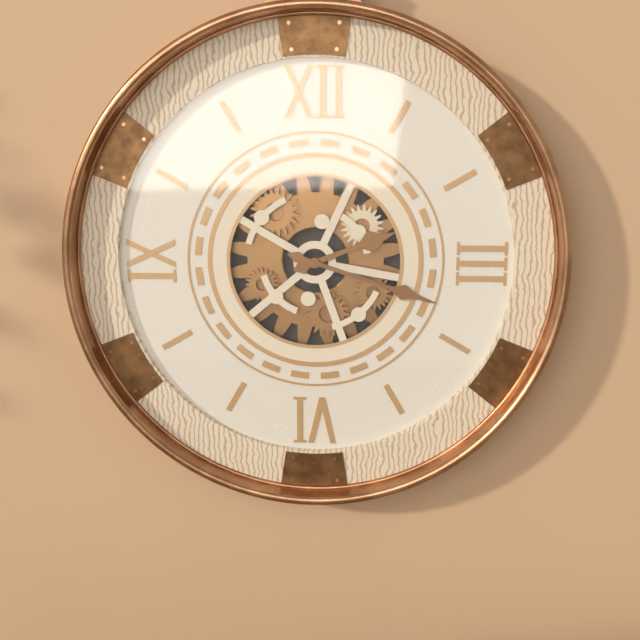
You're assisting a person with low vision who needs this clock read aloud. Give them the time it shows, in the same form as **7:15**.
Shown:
**2:18**
